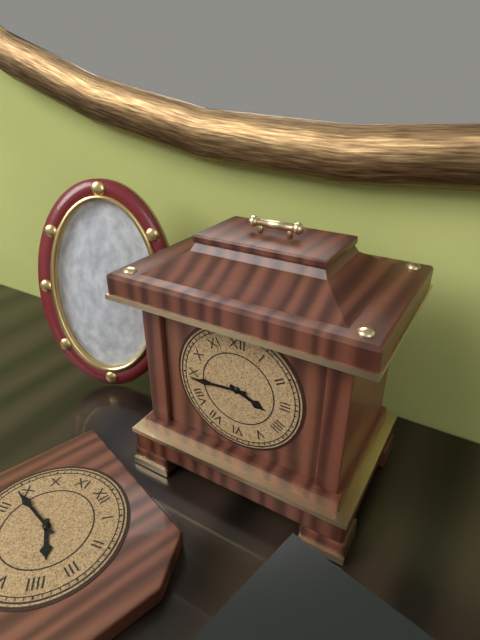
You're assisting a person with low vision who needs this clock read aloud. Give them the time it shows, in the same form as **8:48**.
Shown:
**3:44**
